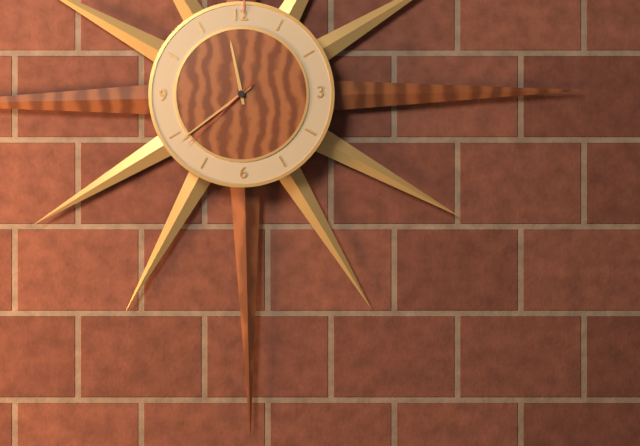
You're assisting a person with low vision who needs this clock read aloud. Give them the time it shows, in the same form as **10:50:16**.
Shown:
**11:39:38**
